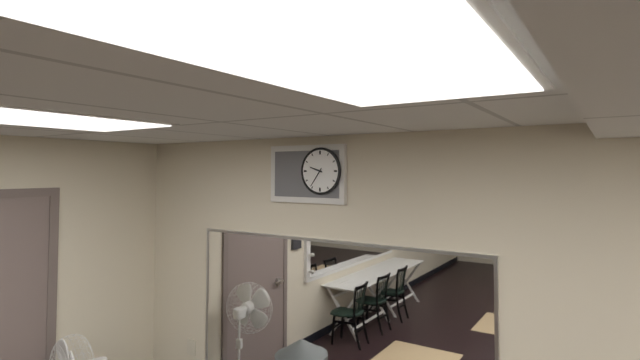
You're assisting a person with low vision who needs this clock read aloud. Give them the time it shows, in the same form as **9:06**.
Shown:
**9:36**
